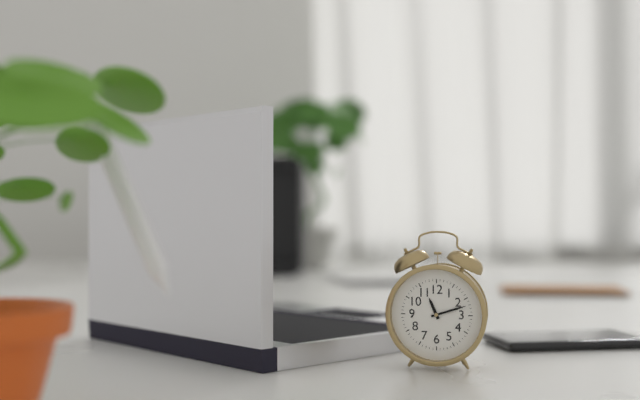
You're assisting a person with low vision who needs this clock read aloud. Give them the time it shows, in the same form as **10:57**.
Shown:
**11:12**
